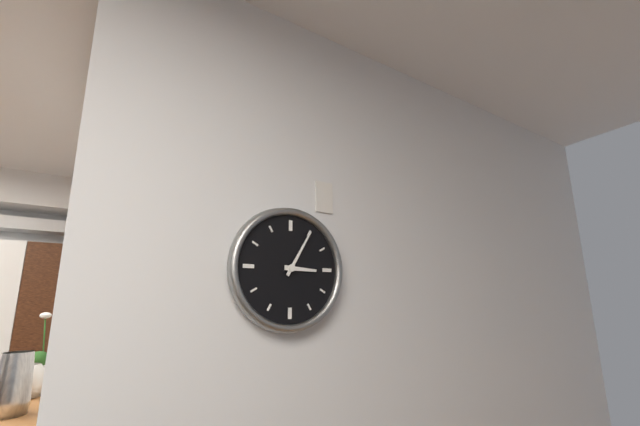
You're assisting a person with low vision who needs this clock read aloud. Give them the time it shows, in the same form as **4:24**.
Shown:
**3:05**
